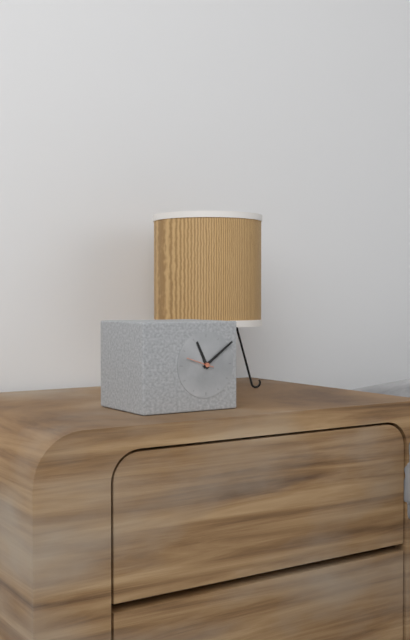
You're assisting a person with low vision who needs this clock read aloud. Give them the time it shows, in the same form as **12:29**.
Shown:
**11:09**
